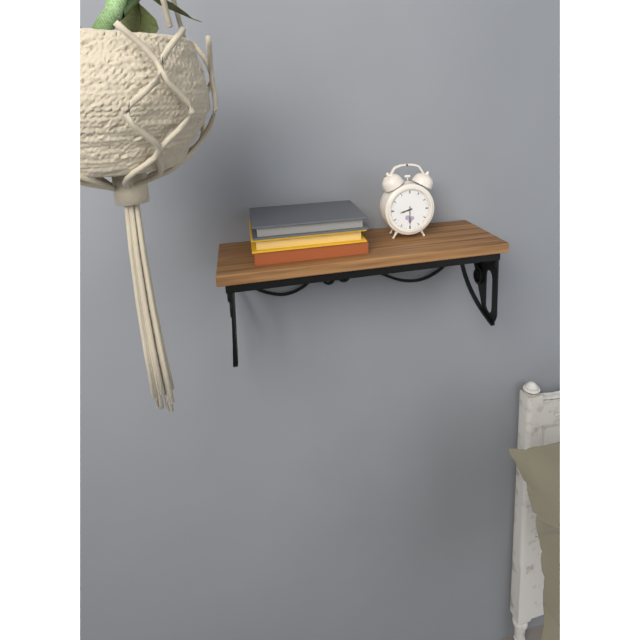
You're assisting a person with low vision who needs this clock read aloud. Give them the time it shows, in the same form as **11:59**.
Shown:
**8:30**
